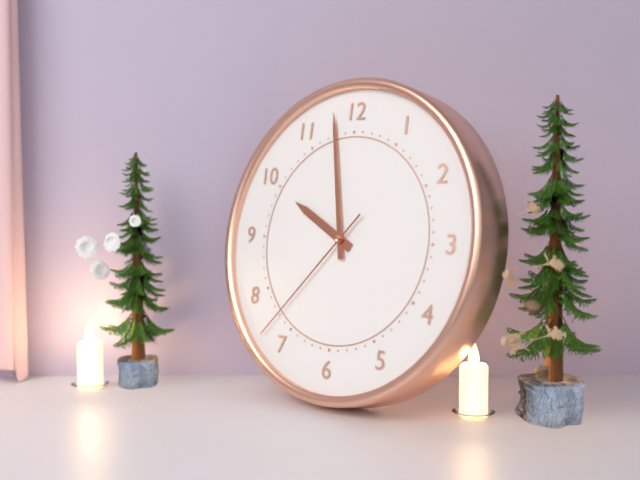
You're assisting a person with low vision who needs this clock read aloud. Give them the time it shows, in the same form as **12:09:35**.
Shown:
**9:58:37**
